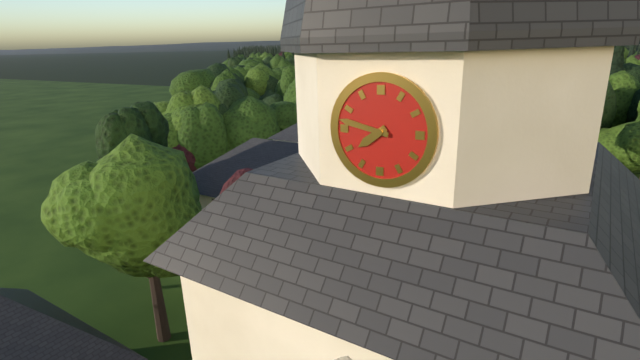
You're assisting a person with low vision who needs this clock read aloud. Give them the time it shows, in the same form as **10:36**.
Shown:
**7:47**
